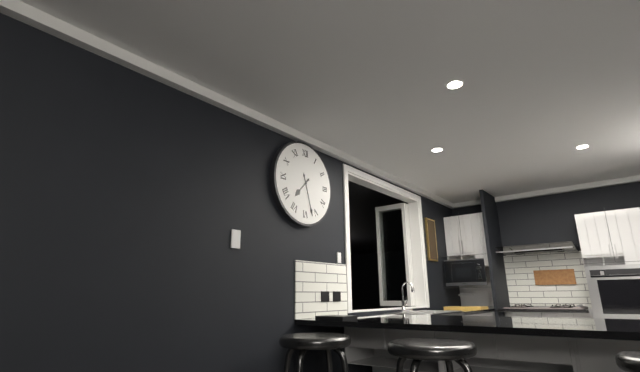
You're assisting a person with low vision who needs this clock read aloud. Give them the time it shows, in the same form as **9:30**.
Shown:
**7:27**
